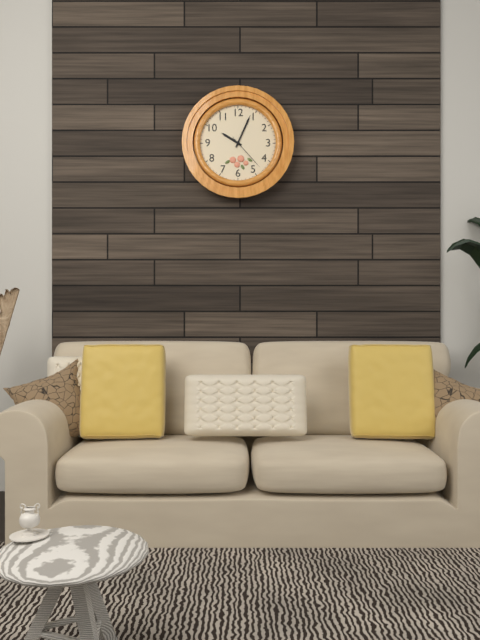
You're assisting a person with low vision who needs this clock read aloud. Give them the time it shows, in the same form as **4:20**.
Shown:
**10:04**
